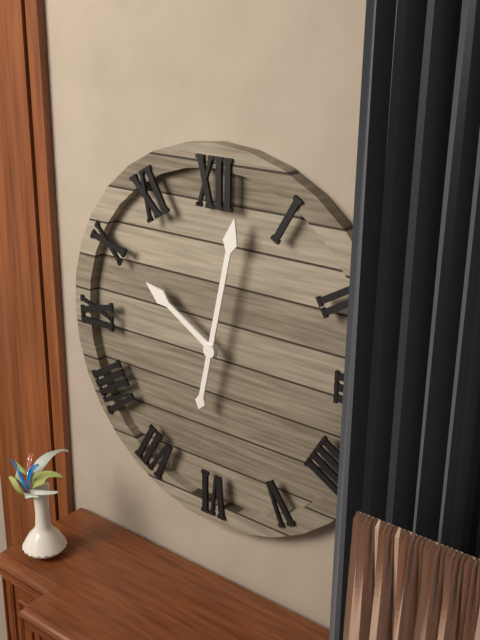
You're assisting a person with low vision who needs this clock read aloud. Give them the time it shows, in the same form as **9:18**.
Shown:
**10:02**
